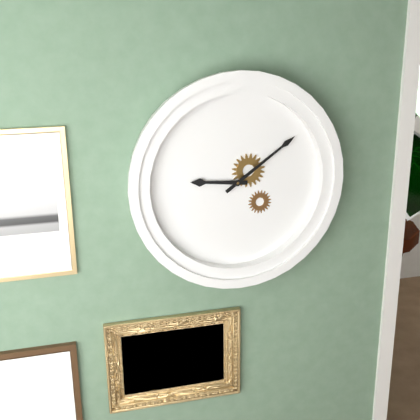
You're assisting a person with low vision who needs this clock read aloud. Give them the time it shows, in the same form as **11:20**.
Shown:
**9:09**
